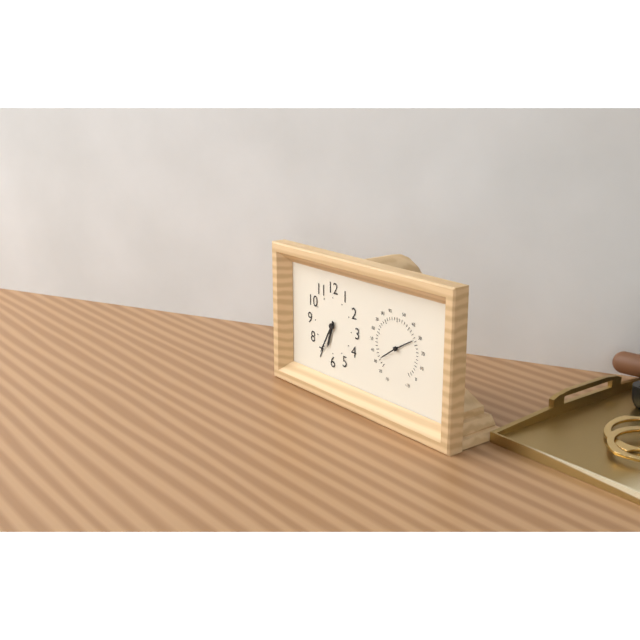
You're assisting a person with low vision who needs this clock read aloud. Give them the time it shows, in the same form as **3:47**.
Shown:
**6:35**
